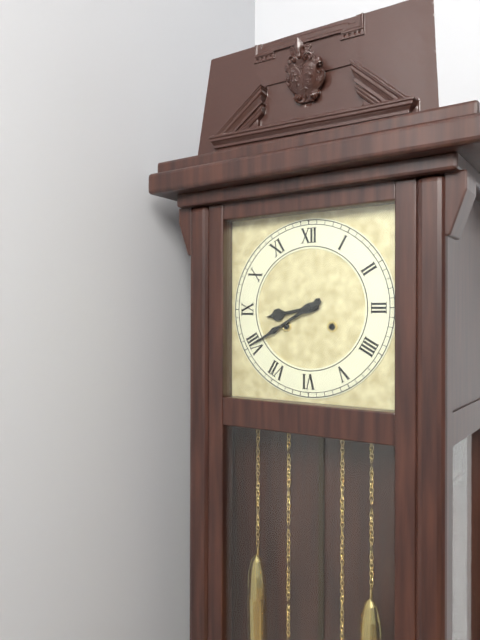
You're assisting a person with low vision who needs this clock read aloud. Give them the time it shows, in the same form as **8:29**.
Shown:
**8:40**
